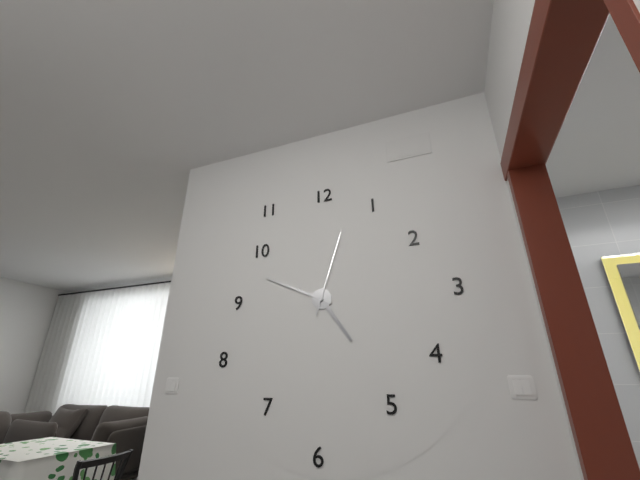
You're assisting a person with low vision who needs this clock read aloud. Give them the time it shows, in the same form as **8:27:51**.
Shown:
**4:49:03**
